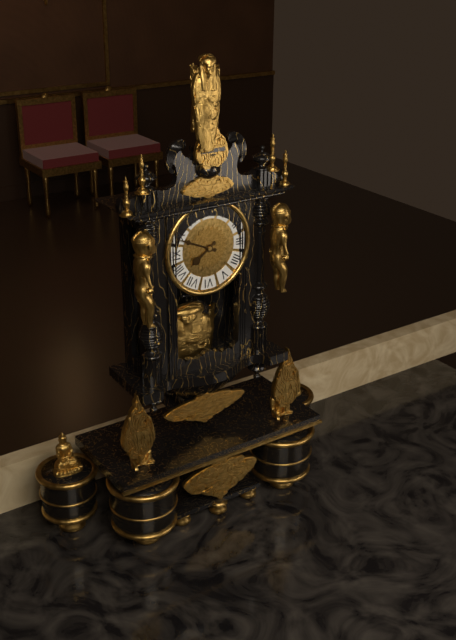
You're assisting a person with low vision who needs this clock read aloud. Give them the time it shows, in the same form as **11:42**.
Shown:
**7:49**
